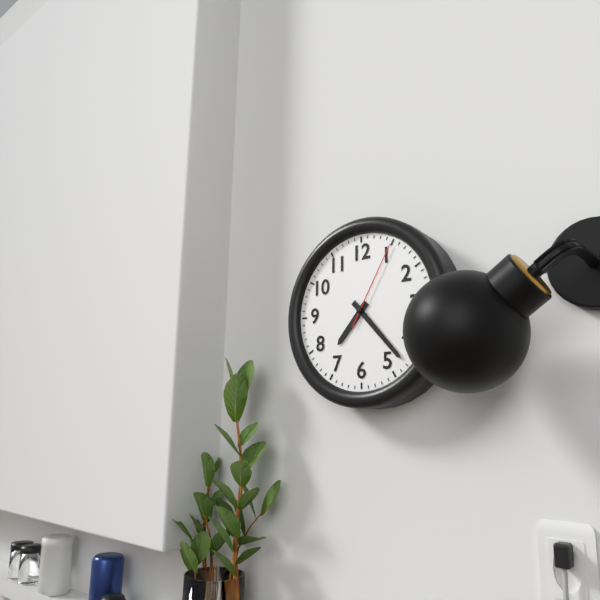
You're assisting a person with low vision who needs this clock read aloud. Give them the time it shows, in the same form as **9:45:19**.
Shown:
**7:23:05**
